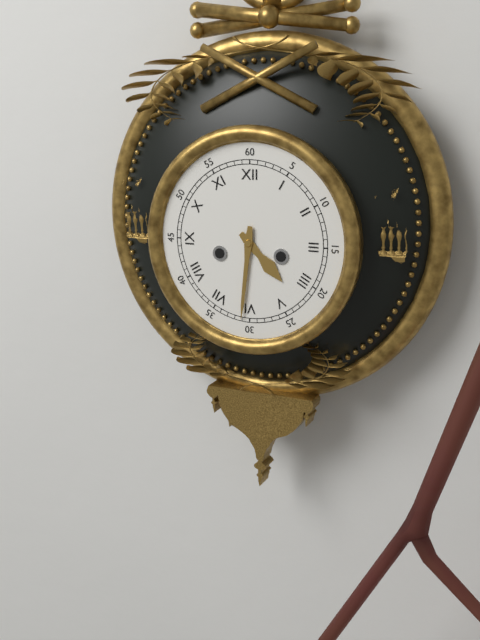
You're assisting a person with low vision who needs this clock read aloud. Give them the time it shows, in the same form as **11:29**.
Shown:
**4:31**
